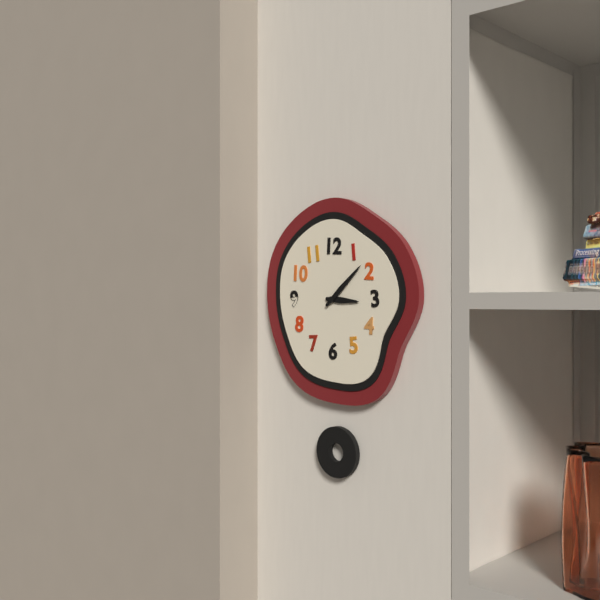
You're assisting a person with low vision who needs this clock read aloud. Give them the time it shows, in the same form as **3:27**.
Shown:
**3:08**
